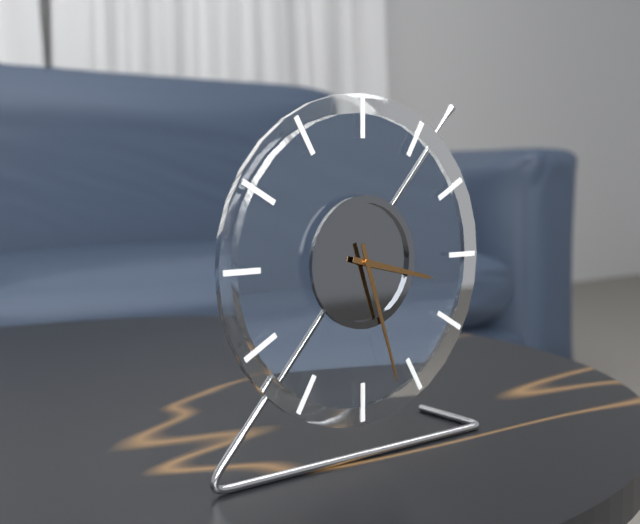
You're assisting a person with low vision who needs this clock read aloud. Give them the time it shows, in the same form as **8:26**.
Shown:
**3:27**
